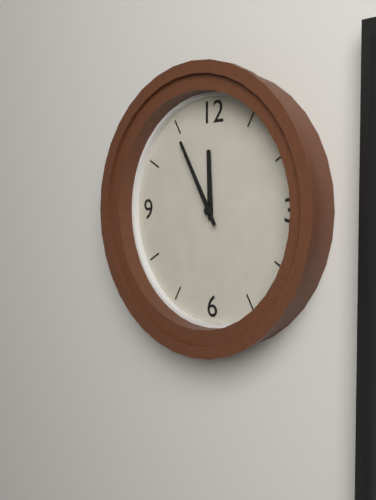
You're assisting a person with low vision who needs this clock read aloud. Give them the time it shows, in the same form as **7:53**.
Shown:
**11:55**
